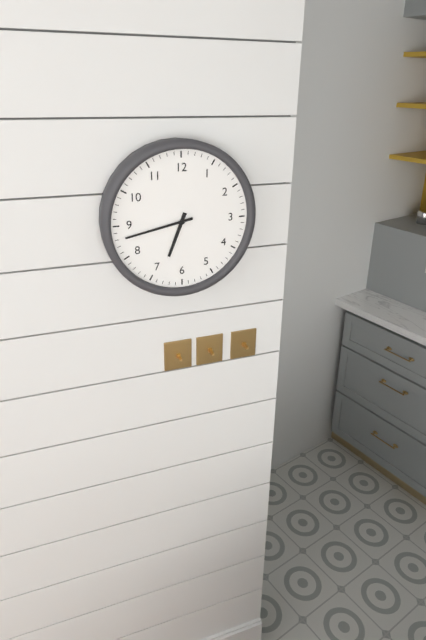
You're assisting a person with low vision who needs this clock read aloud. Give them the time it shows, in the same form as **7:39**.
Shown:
**6:43**
